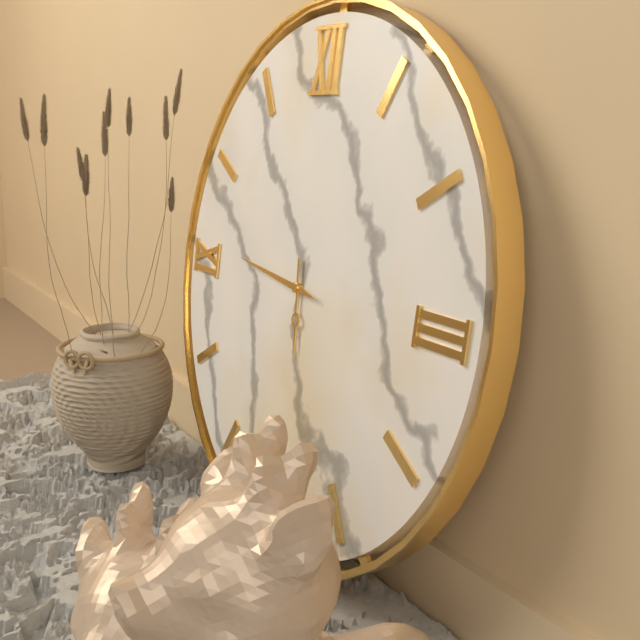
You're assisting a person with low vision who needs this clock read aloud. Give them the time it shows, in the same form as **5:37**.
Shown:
**5:46**
